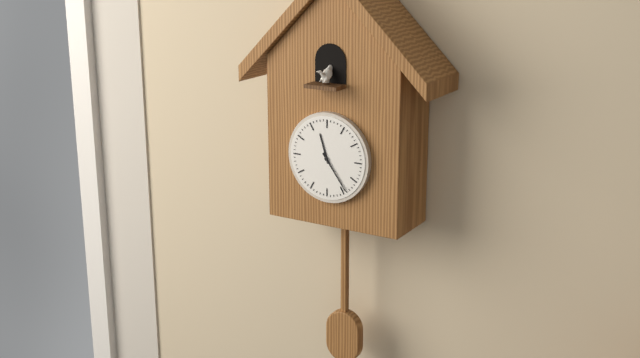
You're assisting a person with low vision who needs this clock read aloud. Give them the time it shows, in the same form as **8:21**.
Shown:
**11:24**
